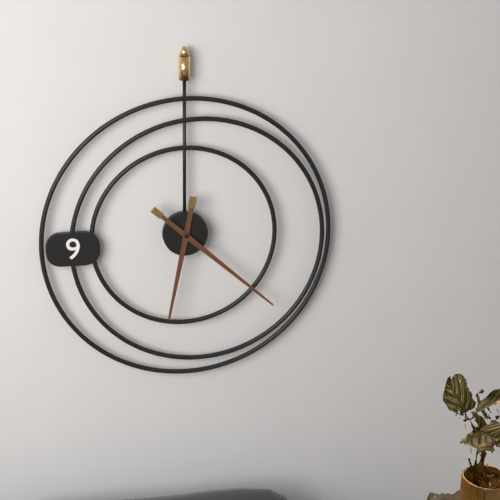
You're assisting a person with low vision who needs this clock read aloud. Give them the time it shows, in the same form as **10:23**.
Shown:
**6:22**
